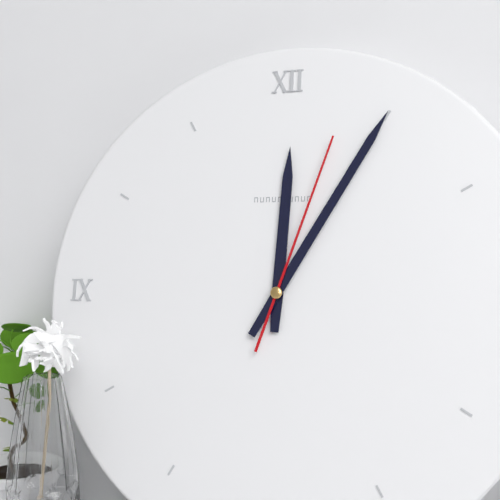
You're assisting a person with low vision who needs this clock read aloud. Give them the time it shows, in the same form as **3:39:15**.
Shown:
**12:05:03**
